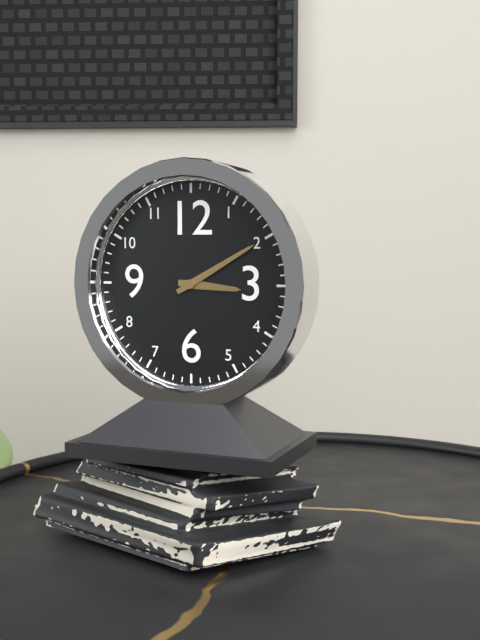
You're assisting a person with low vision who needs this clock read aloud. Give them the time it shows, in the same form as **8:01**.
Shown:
**3:10**
